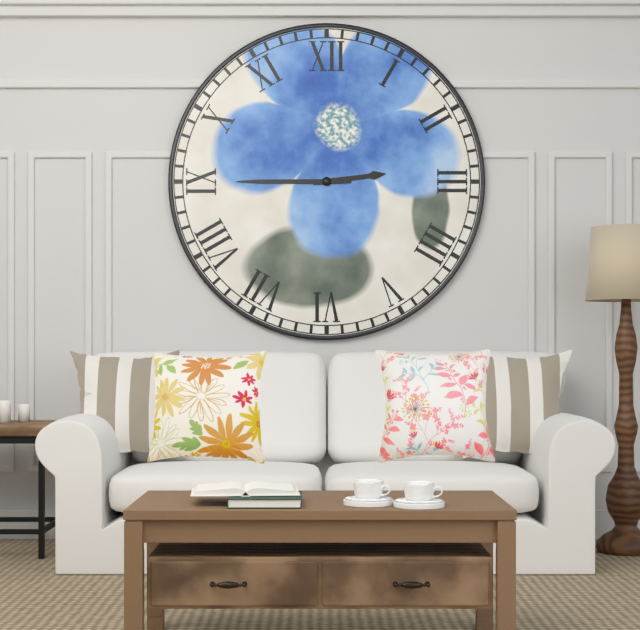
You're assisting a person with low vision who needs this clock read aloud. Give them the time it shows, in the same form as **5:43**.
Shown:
**2:45**
